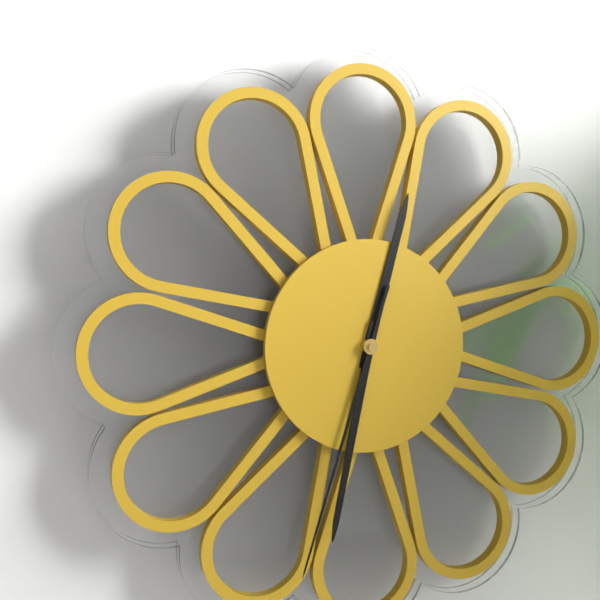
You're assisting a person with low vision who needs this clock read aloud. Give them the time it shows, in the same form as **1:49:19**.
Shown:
**12:32:33**
